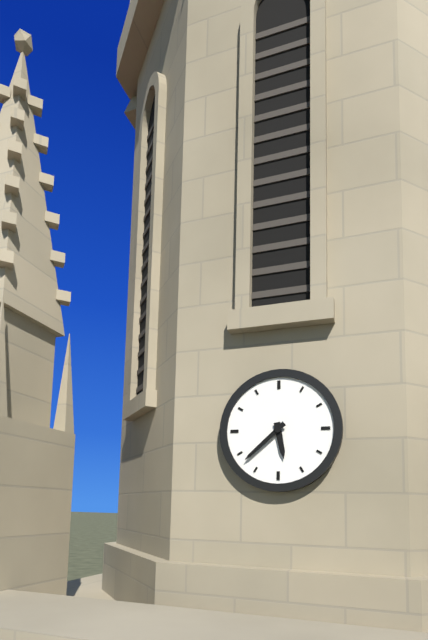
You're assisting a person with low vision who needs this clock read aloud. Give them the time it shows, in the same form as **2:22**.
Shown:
**5:38**
